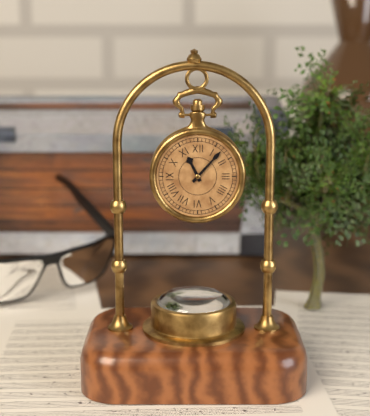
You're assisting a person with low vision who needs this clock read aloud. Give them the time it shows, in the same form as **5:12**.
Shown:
**11:07**
